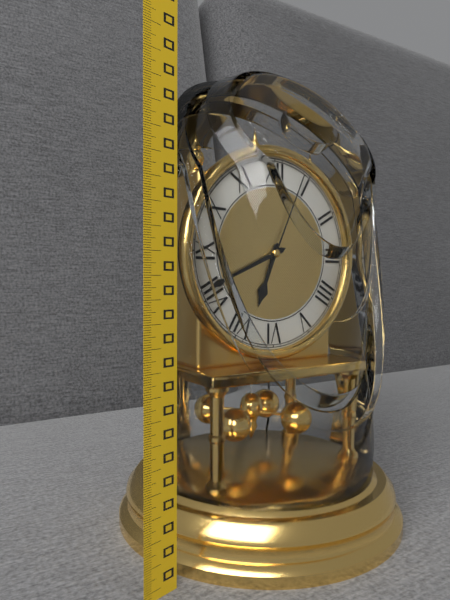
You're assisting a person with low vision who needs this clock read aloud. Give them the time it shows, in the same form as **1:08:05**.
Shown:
**6:41:04**
